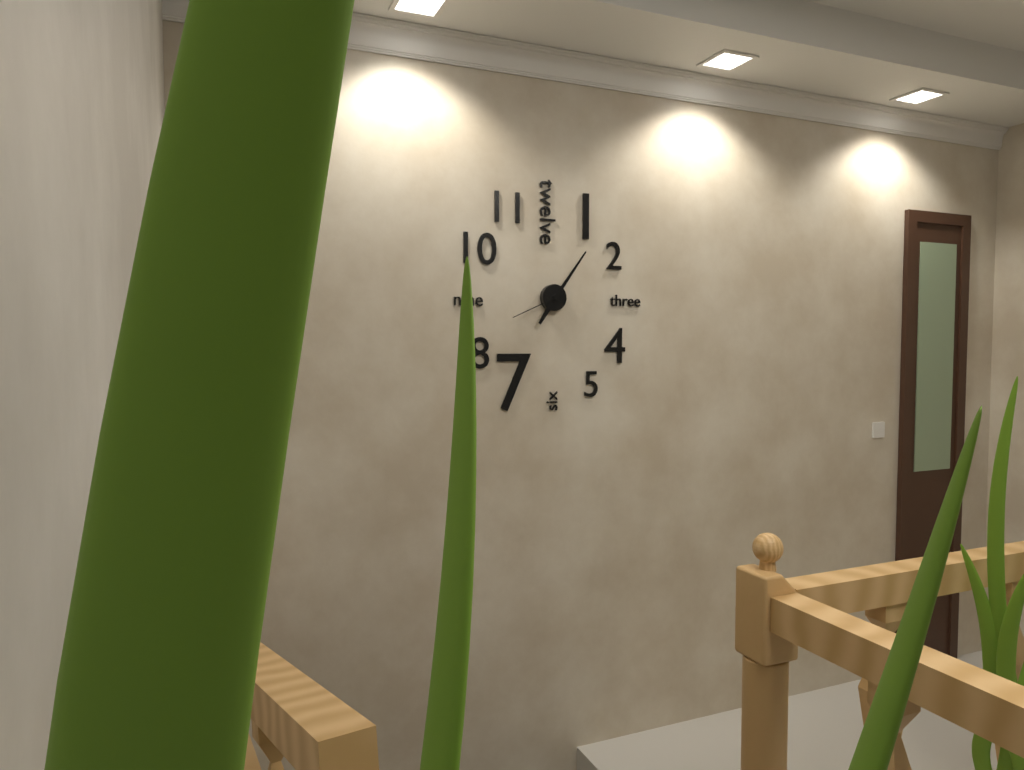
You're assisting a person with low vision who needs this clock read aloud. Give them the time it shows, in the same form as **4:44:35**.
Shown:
**7:06:41**
